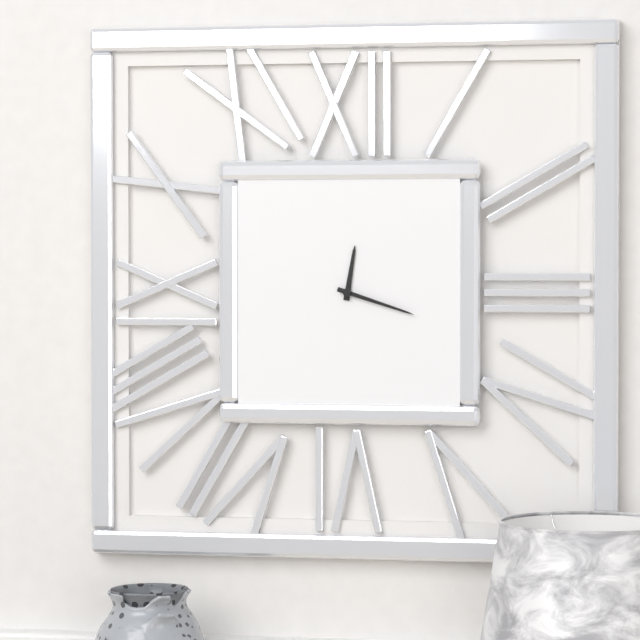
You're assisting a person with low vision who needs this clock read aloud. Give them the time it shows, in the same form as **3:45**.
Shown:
**12:18**
